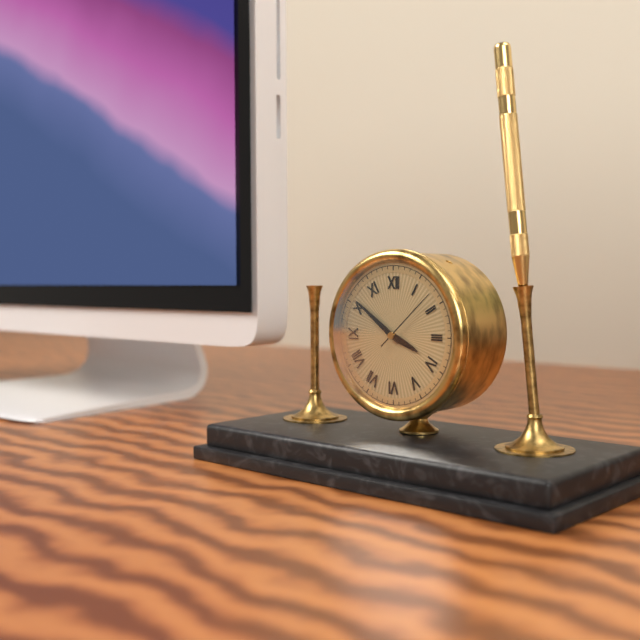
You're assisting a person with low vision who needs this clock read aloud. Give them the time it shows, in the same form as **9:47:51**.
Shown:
**3:51:08**
